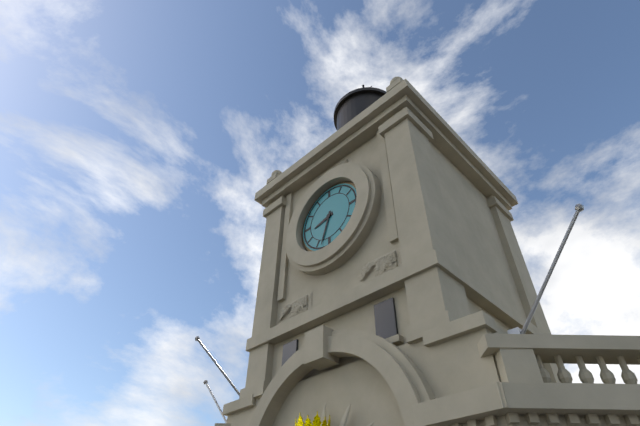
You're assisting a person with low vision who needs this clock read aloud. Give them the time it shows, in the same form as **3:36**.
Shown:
**8:33**
